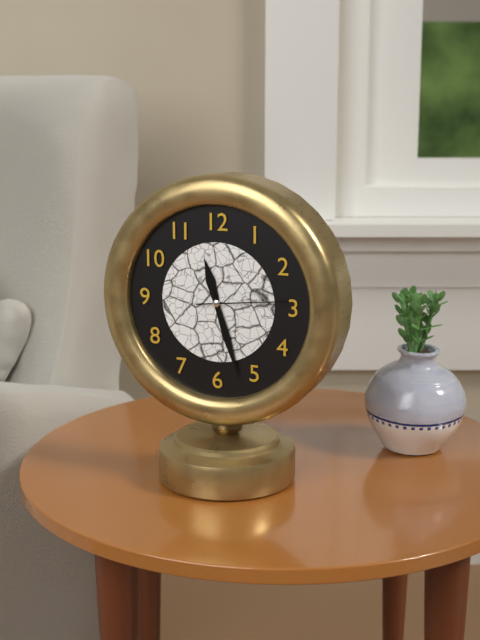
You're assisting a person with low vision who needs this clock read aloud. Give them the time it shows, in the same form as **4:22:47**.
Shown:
**11:27:14**
